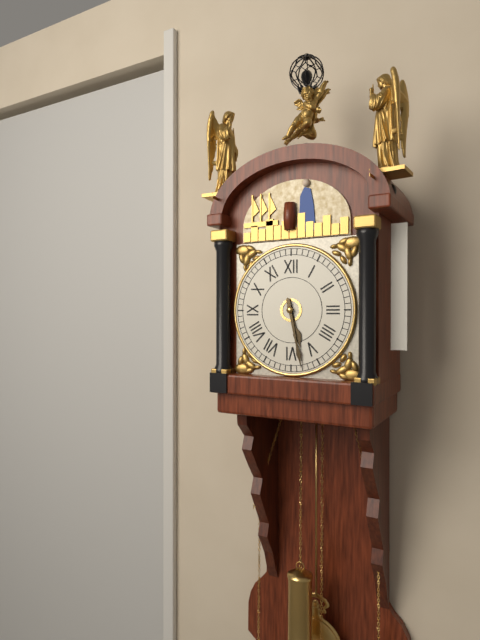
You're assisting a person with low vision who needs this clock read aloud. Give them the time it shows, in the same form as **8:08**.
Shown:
**5:28**
